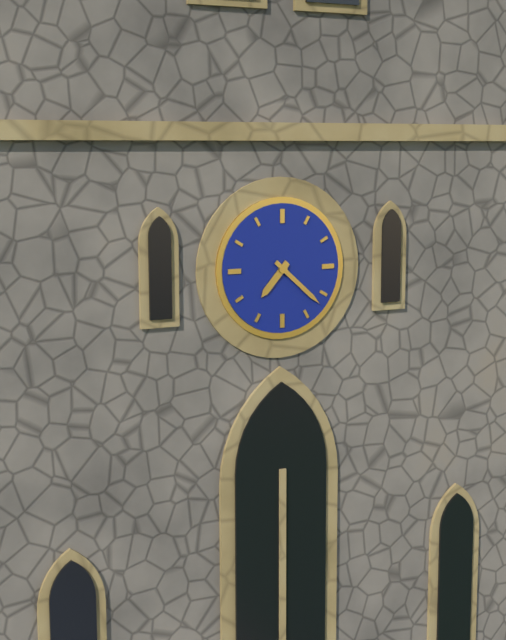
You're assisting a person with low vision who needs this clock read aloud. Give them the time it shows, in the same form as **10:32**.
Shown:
**7:22**
